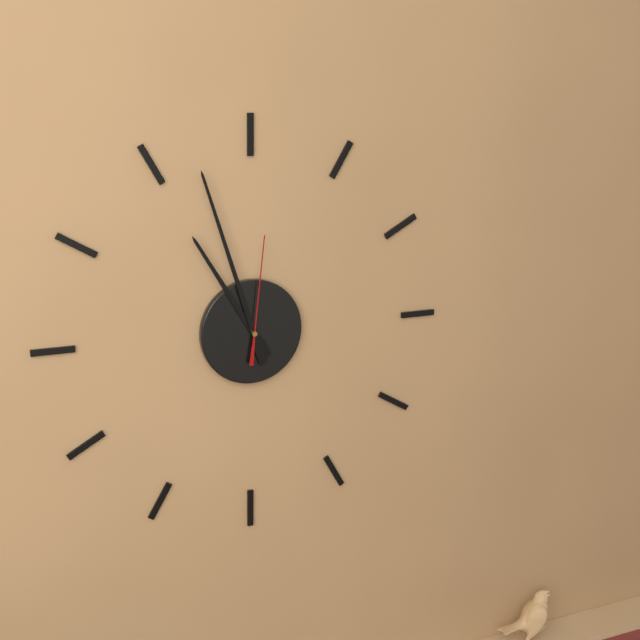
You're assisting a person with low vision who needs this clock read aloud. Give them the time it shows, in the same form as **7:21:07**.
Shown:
**10:57:01**
